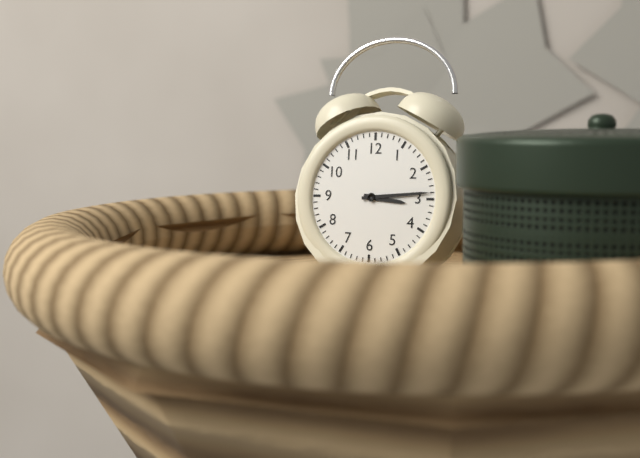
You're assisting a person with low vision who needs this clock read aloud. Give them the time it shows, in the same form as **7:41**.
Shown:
**3:14**
